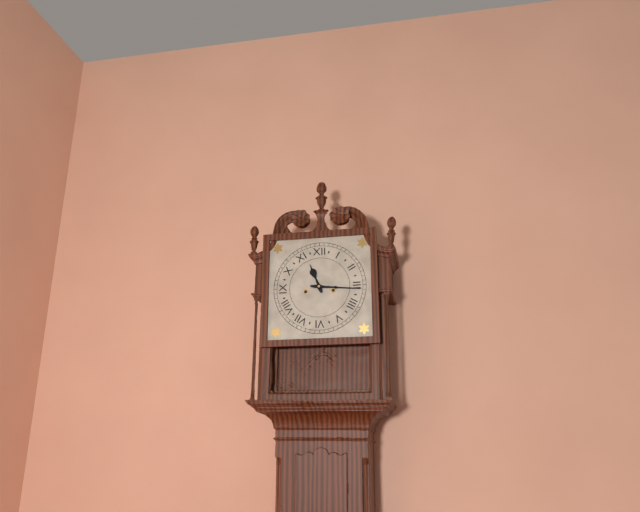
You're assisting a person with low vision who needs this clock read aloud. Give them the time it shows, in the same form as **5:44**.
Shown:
**11:16**
